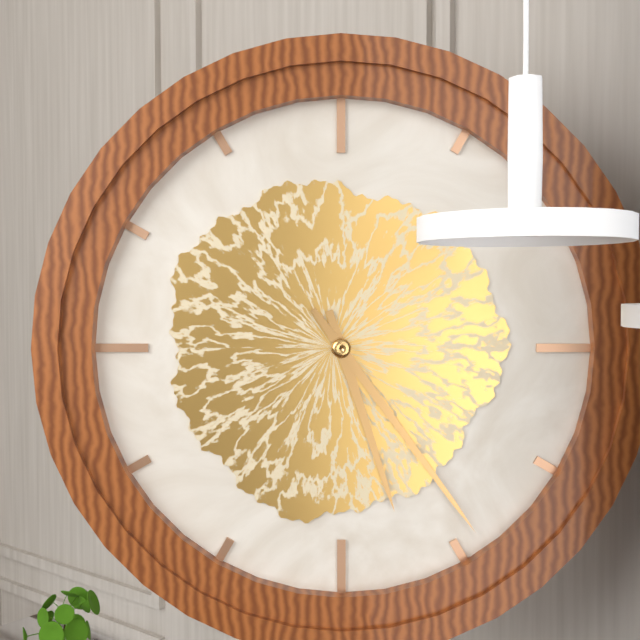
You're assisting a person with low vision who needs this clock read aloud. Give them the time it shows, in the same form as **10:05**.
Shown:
**5:24**
